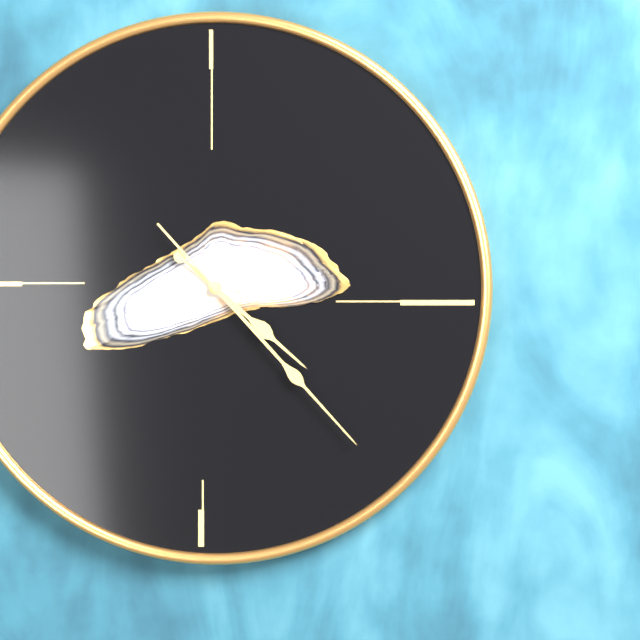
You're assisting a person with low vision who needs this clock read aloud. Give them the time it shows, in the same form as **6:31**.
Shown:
**4:23**
